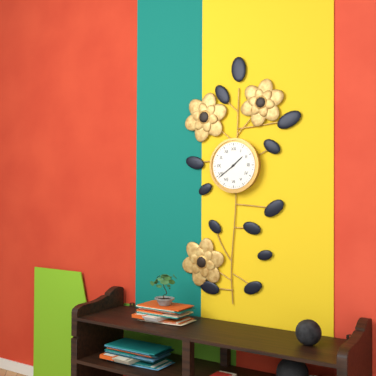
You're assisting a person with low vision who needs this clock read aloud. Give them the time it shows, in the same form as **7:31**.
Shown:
**1:39**
